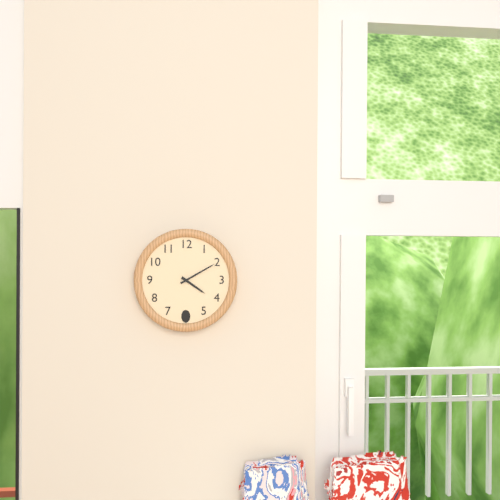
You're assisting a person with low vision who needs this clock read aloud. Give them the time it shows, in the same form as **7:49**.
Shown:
**4:10**
